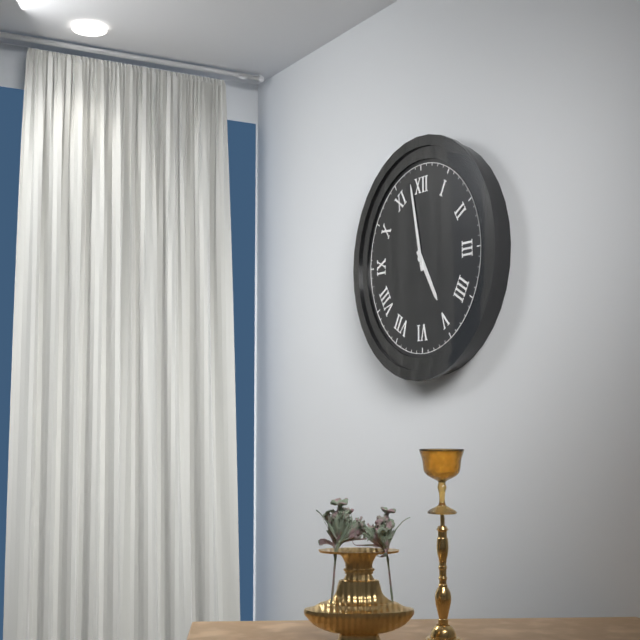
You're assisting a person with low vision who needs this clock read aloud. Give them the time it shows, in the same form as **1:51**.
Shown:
**4:58**
